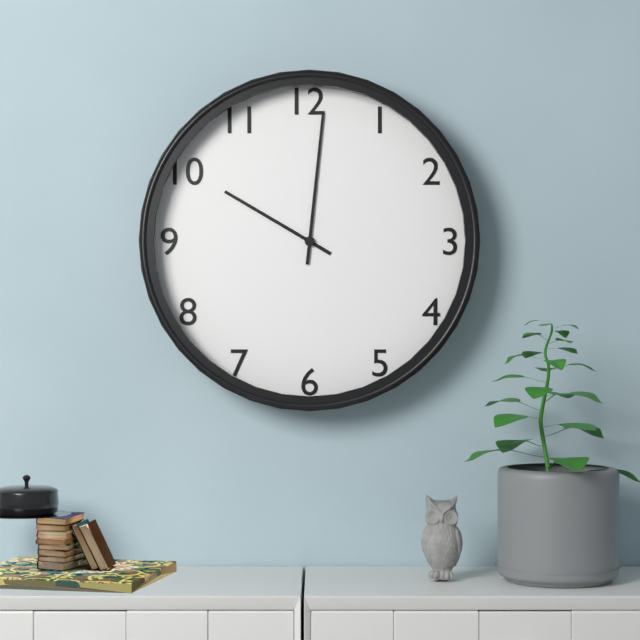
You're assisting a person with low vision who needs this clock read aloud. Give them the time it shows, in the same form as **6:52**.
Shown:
**10:01**
